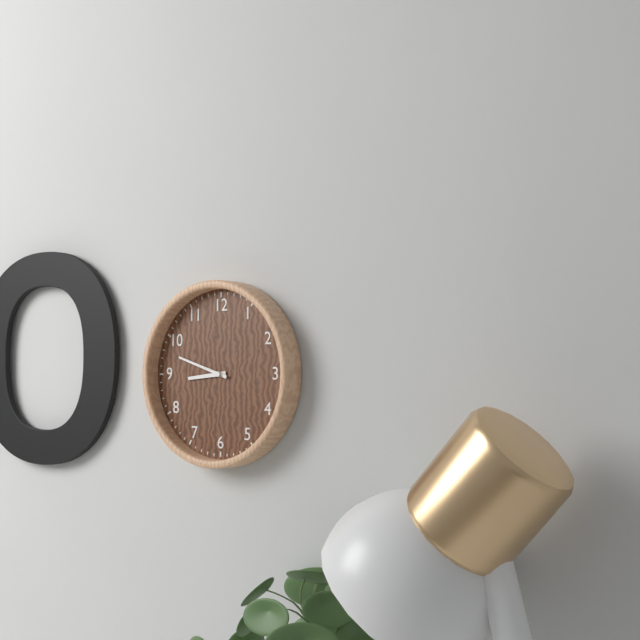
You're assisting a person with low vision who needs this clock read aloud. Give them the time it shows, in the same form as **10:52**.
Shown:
**8:48**
